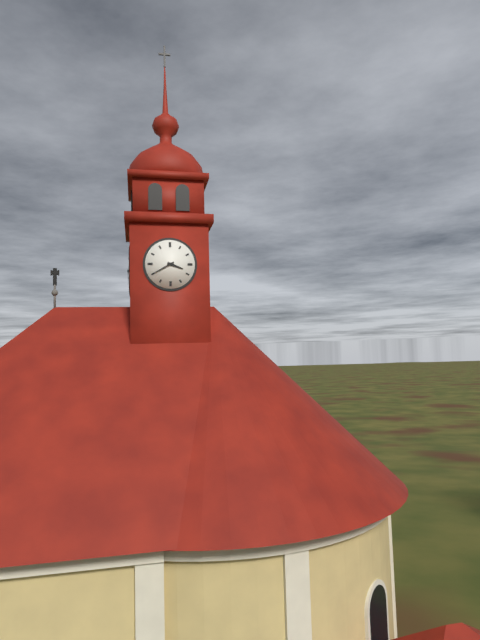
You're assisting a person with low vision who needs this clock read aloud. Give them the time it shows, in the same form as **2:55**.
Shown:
**3:40**
